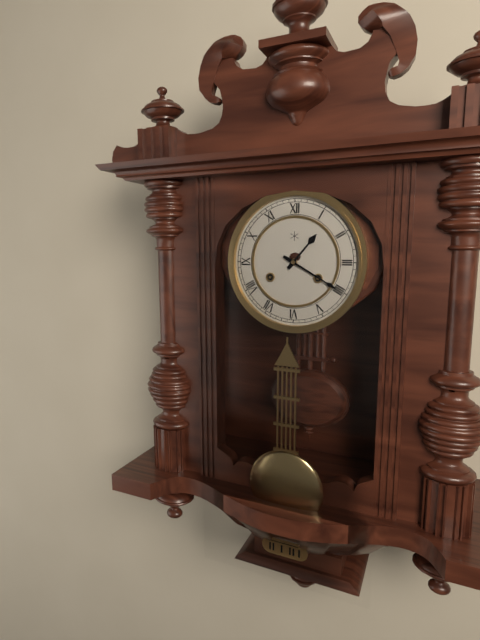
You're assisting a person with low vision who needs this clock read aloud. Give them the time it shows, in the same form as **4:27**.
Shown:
**1:20**
